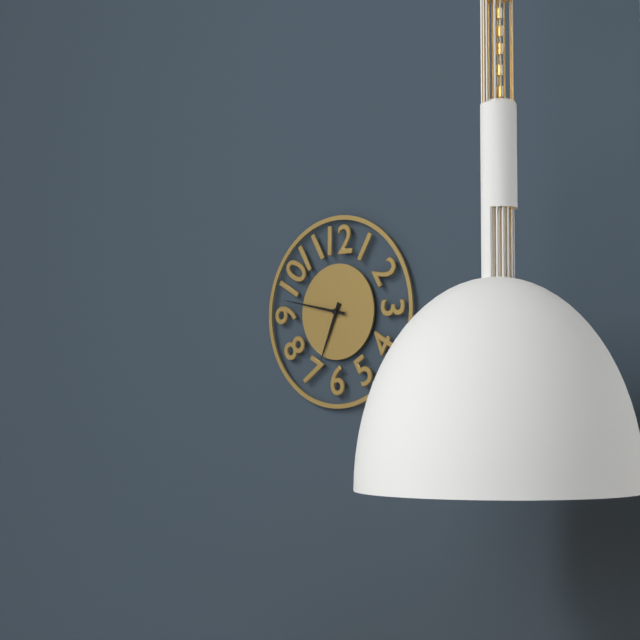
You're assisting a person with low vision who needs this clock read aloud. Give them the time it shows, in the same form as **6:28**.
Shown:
**6:47**
